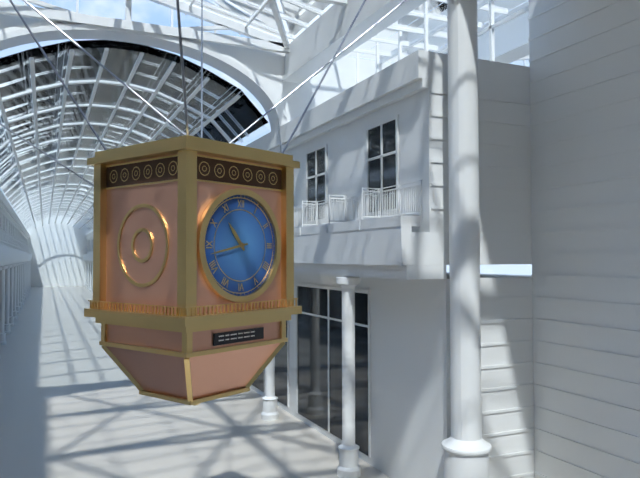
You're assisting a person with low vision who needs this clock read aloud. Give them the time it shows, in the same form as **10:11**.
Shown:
**10:43**
